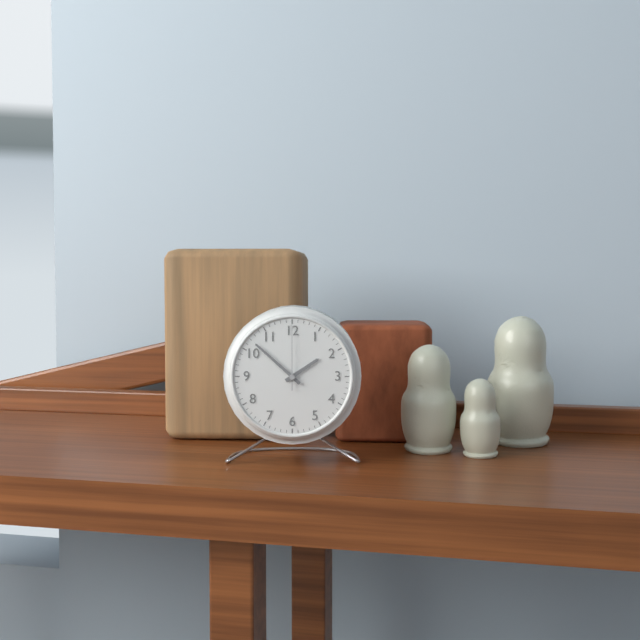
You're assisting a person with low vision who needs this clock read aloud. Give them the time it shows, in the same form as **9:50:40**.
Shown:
**1:52:00**
